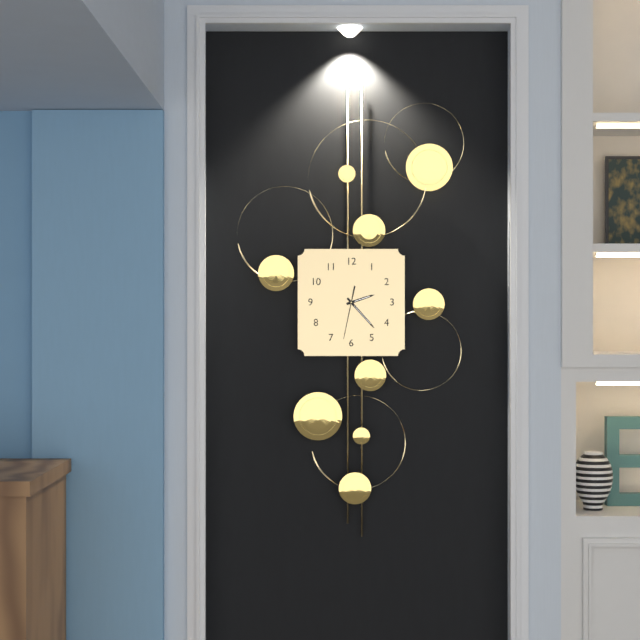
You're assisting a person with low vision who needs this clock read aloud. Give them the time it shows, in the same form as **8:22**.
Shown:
**2:23**
